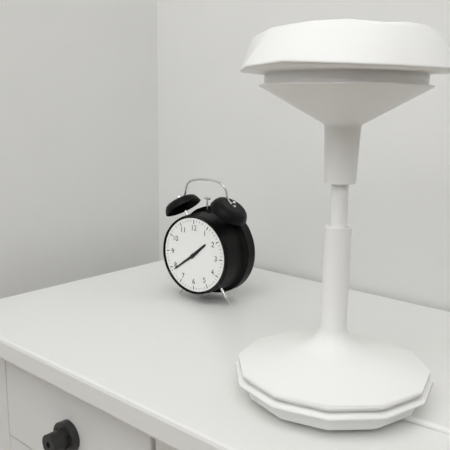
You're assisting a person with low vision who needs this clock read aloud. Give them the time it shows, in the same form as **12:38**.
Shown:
**1:39**
